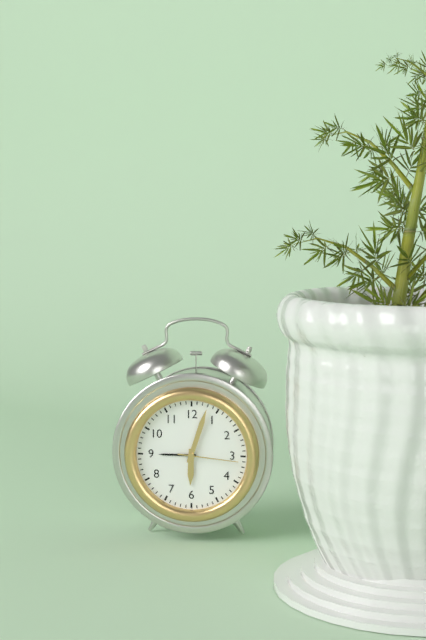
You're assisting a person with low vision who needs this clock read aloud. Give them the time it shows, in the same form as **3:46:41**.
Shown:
**6:03:16**
